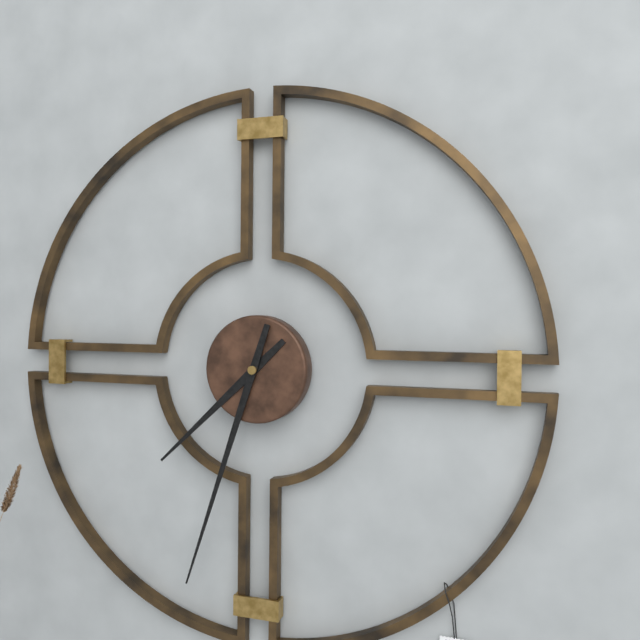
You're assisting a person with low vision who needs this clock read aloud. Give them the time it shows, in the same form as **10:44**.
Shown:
**7:33**
